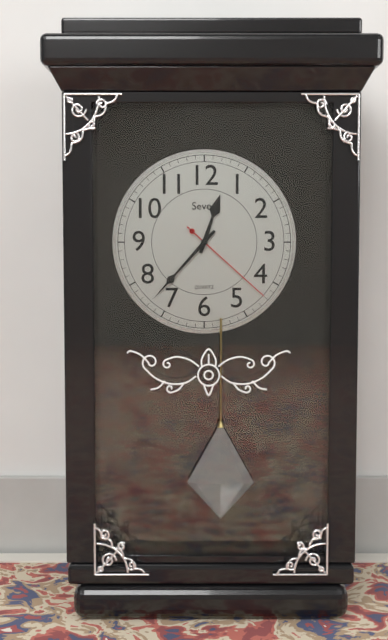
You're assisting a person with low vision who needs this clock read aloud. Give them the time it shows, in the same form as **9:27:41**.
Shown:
**12:37:22**
